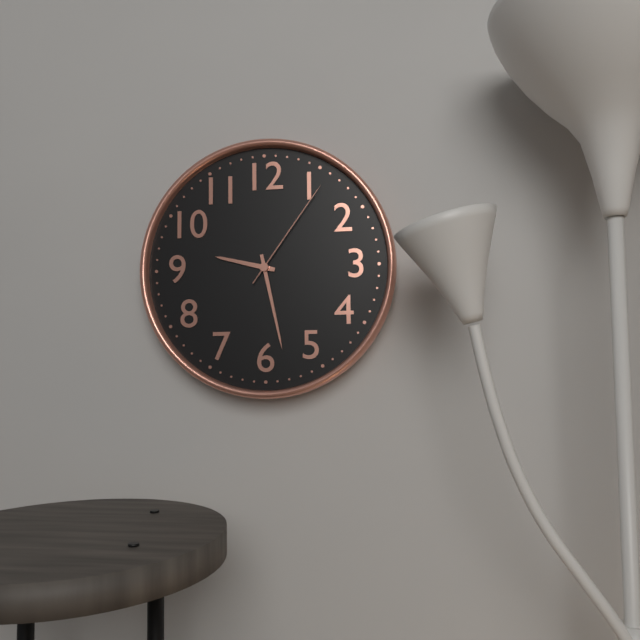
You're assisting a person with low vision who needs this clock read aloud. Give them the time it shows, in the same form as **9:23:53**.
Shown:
**9:28:06**
